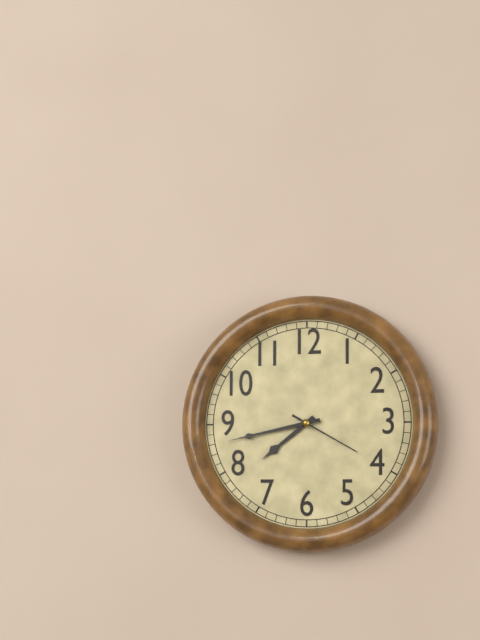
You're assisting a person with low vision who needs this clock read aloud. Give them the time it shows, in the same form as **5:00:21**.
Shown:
**7:43:20**
